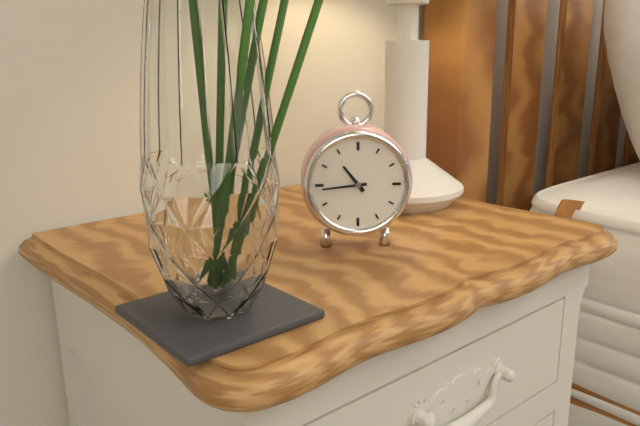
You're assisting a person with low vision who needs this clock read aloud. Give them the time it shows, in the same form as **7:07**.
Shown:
**10:44**
